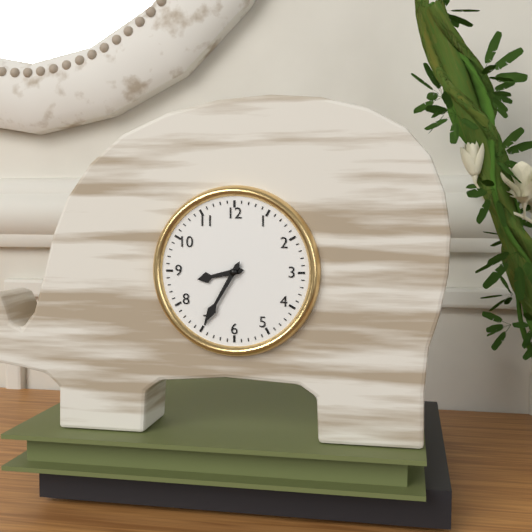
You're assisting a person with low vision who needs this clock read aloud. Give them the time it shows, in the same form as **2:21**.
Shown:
**8:35**
